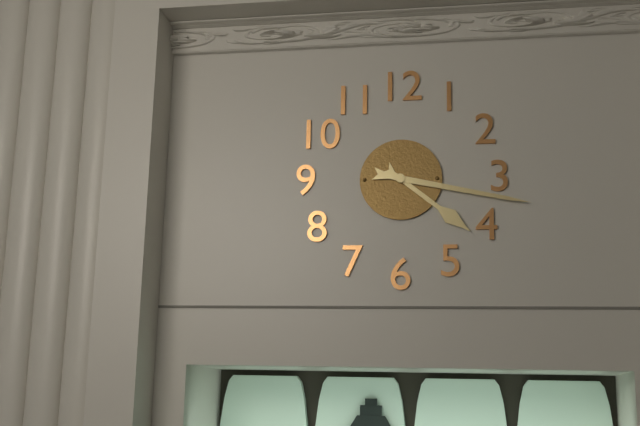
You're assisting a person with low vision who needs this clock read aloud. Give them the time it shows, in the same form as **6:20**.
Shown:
**4:17**
